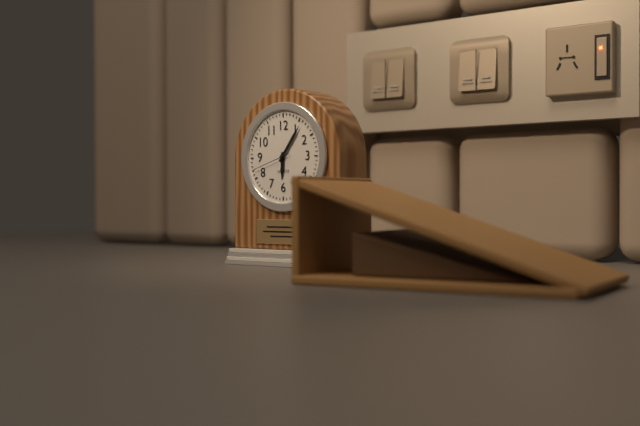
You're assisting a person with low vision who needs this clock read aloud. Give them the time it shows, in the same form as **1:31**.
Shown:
**6:06**
